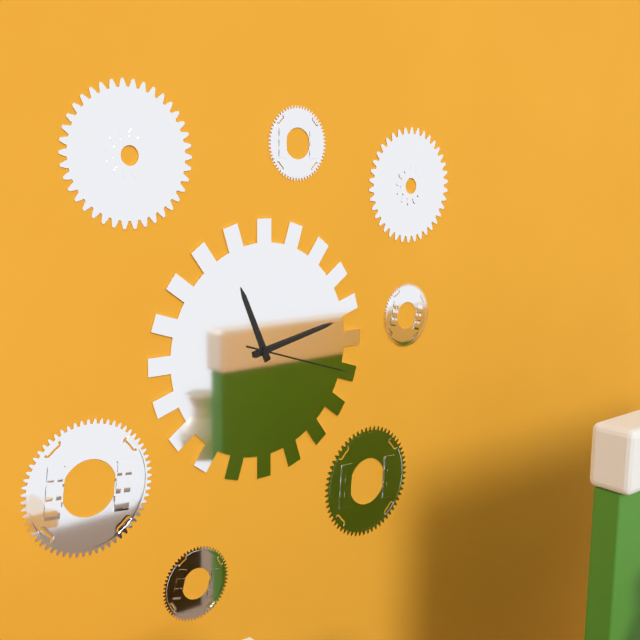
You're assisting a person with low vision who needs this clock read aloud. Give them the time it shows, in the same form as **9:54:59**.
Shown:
**11:13:18**
